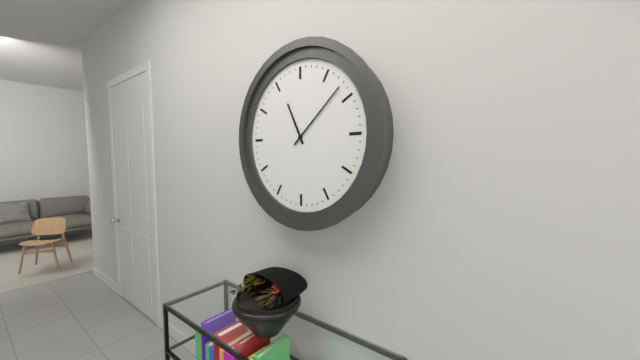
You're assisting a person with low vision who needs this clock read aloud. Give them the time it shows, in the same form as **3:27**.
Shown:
**11:08**
